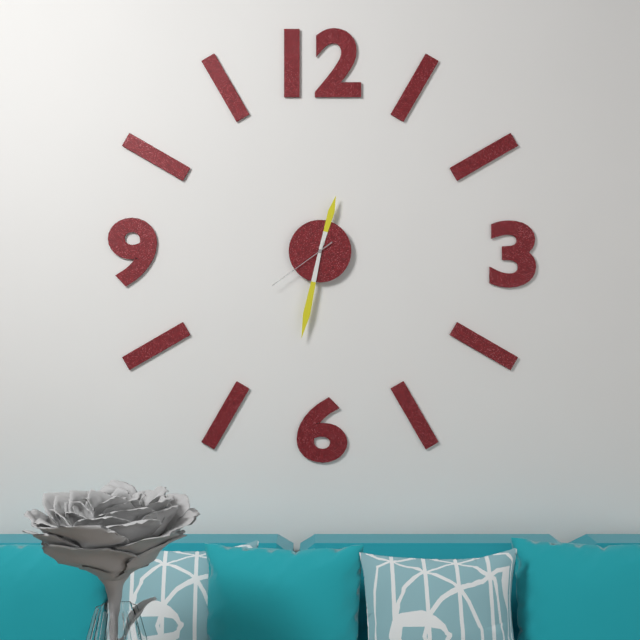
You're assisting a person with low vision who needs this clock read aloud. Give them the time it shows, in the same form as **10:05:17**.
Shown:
**12:32:39**
